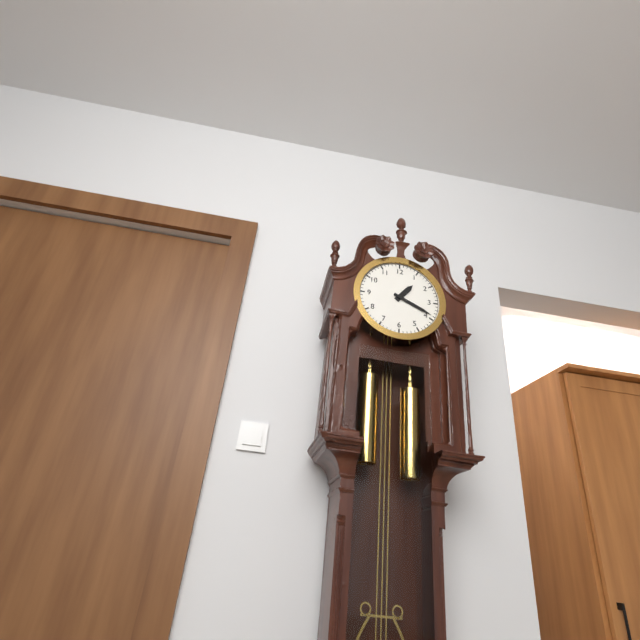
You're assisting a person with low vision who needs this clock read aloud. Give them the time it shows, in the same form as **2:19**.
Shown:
**1:19**
